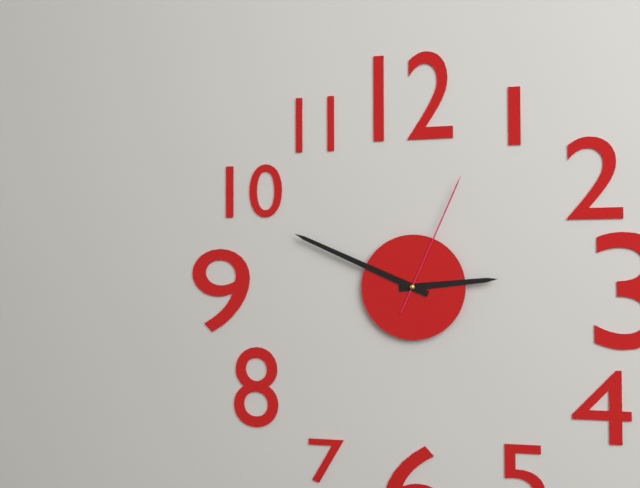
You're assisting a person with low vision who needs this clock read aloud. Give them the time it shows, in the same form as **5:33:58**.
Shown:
**2:49:04**
